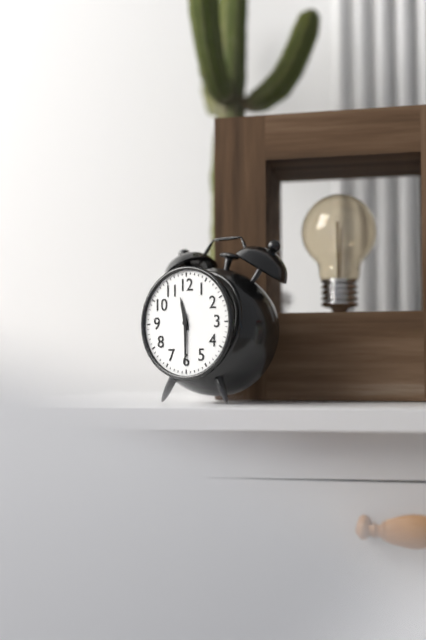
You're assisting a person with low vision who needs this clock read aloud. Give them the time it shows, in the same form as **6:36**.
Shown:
**11:30**
